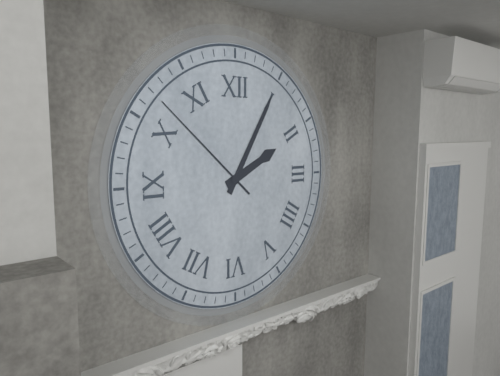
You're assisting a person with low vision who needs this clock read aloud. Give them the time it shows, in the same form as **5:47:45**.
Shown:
**2:05:52**
